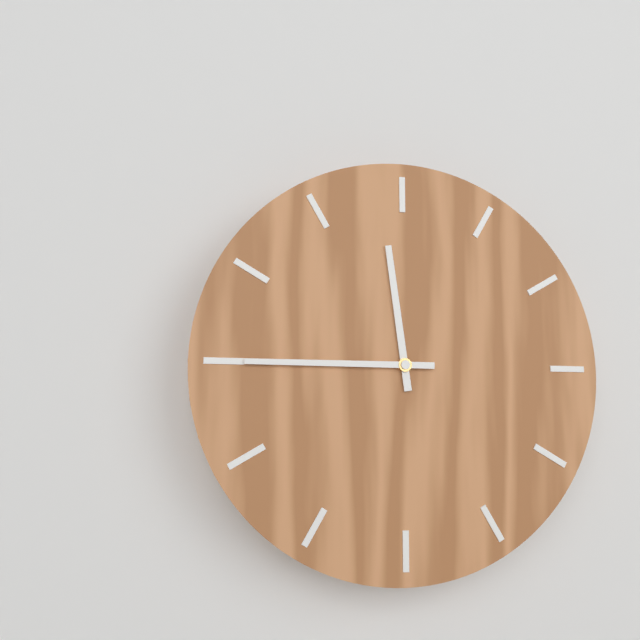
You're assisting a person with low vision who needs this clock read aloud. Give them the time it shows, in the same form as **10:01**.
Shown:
**11:45**
